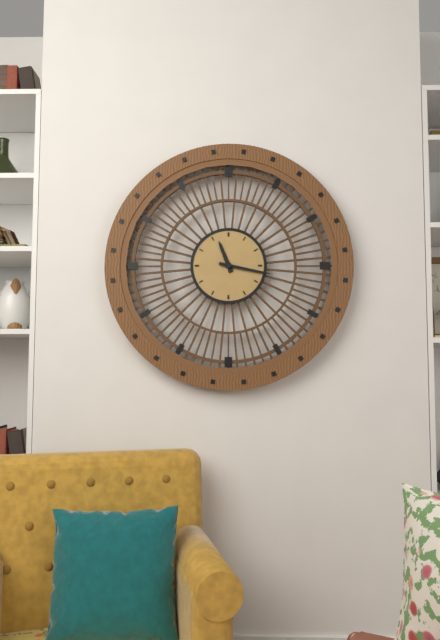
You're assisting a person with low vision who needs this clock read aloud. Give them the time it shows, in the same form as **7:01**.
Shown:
**11:17**
